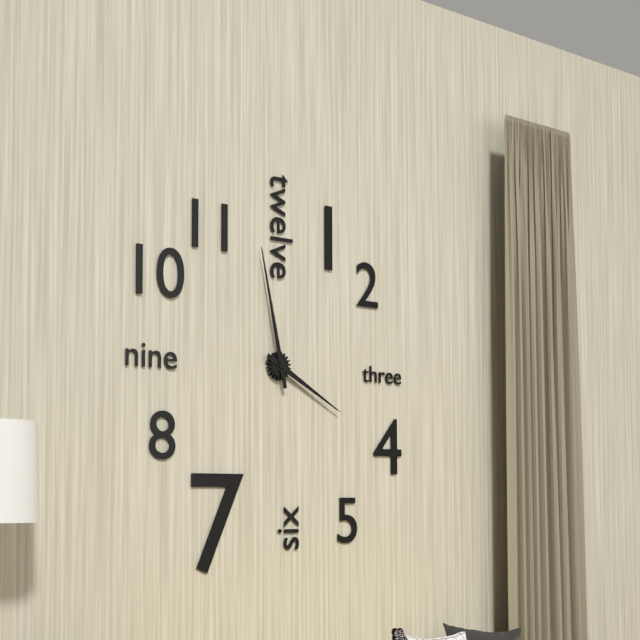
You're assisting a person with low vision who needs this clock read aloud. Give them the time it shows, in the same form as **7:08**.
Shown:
**3:58**
